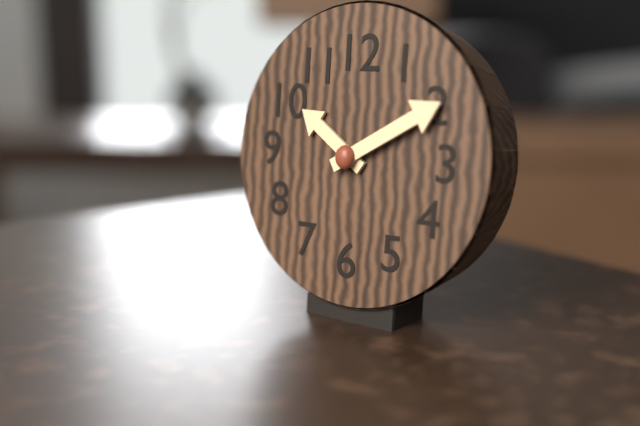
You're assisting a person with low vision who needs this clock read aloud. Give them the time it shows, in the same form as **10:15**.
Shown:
**10:10**
